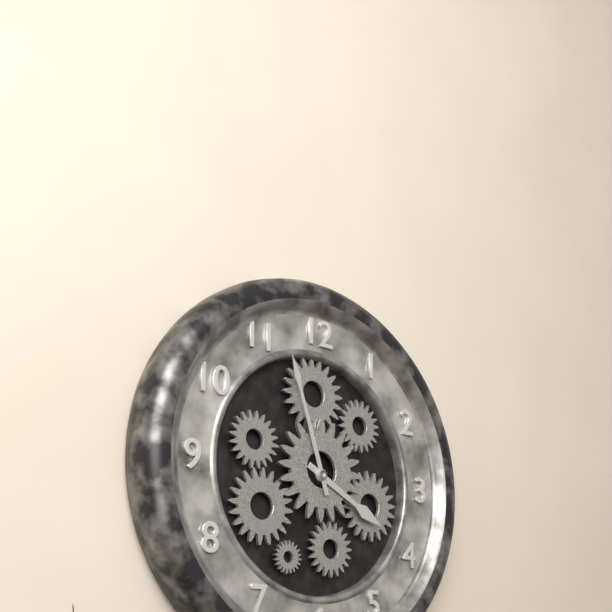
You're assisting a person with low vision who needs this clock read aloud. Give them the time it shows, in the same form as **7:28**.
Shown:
**3:57**
